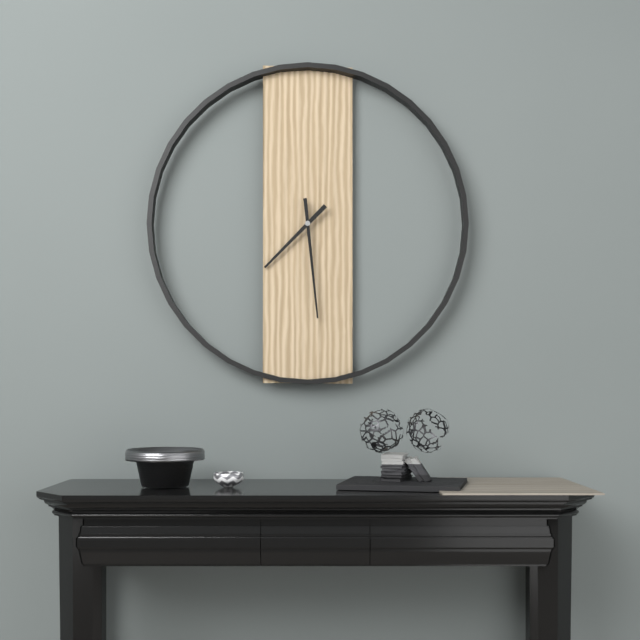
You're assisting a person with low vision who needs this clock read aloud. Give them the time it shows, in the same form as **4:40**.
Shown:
**7:29**
